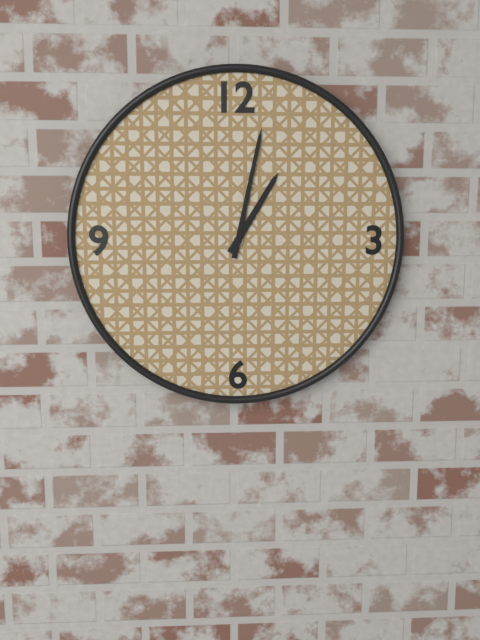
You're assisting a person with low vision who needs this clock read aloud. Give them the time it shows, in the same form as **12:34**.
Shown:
**1:02**
